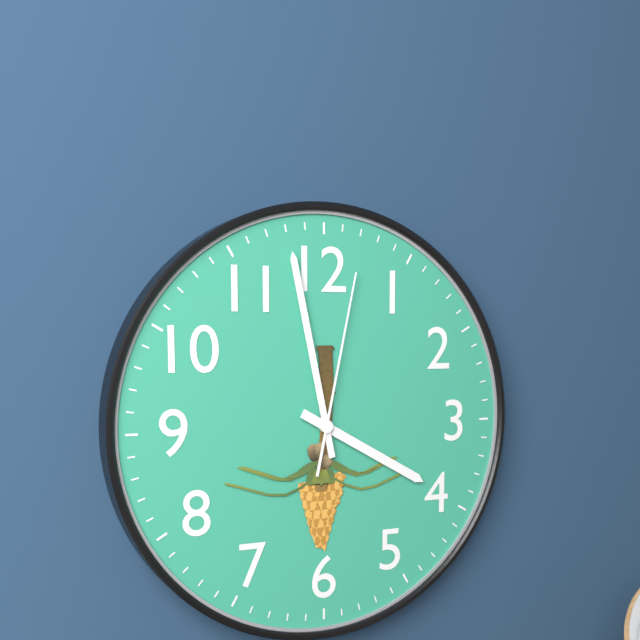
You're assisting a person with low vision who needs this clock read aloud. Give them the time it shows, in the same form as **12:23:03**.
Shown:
**3:58:02**
